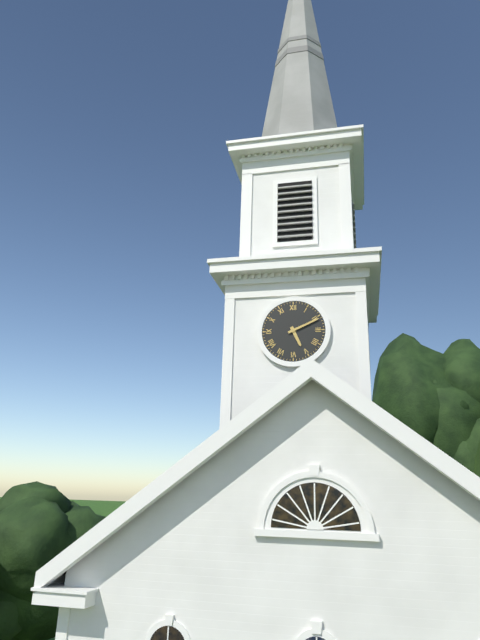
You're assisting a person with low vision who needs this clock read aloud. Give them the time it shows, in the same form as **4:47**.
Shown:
**5:11**
